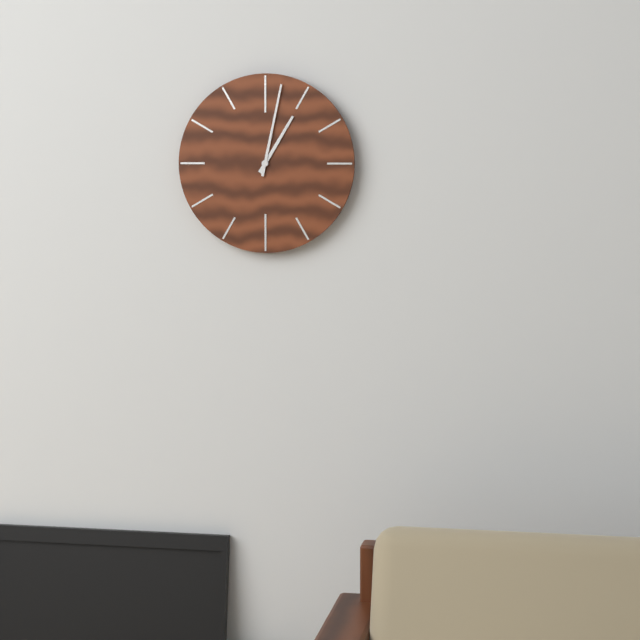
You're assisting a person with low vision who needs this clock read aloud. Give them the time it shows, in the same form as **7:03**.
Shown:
**1:02**
